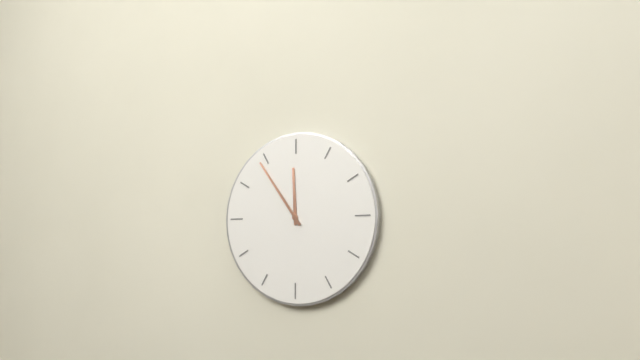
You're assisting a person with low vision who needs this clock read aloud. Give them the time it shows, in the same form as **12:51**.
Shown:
**11:54**
